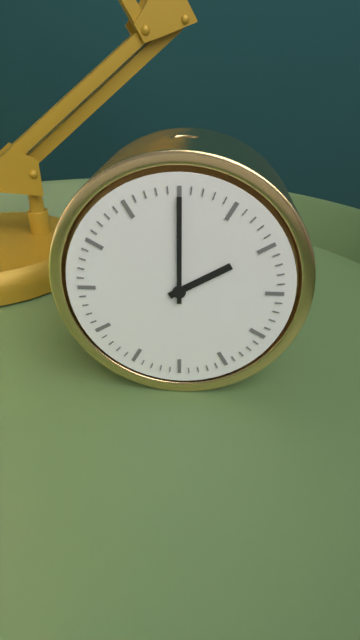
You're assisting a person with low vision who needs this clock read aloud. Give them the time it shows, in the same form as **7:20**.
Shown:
**2:00**
